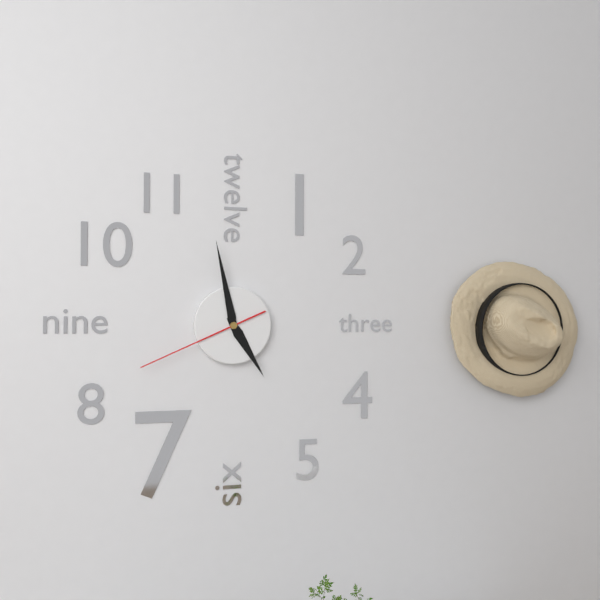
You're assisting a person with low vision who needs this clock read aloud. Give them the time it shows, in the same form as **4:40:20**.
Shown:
**4:58:41**
